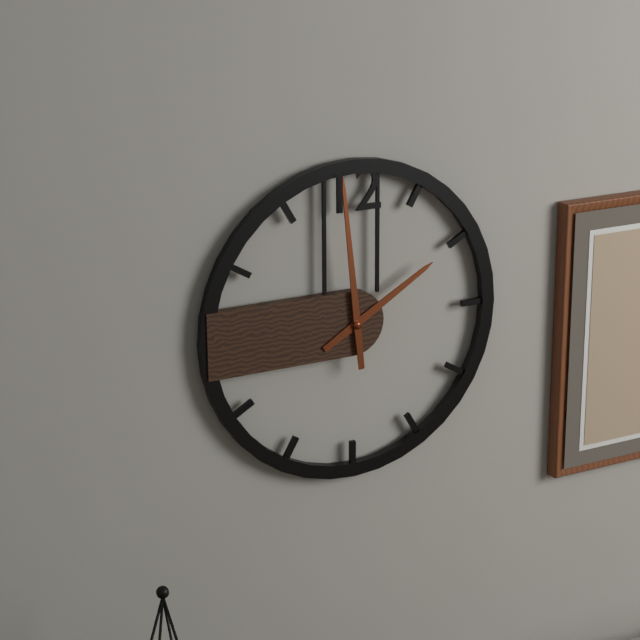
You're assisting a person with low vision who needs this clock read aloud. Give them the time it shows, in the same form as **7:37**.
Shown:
**1:59**
